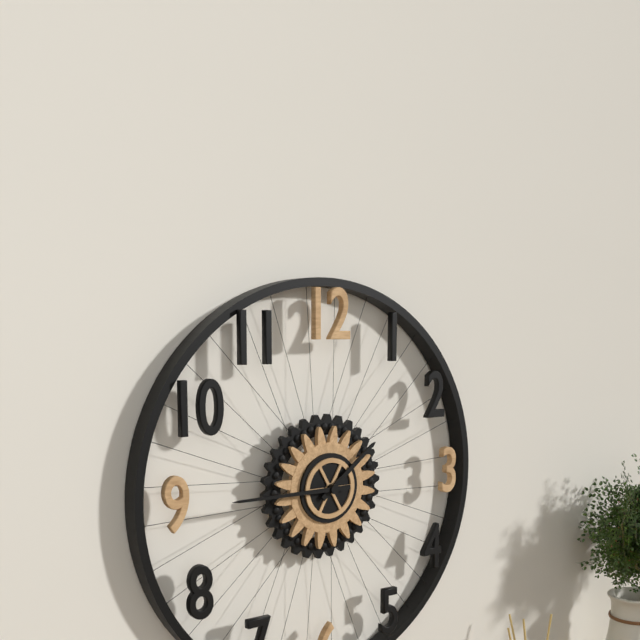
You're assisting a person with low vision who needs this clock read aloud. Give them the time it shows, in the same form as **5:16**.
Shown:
**1:45**
